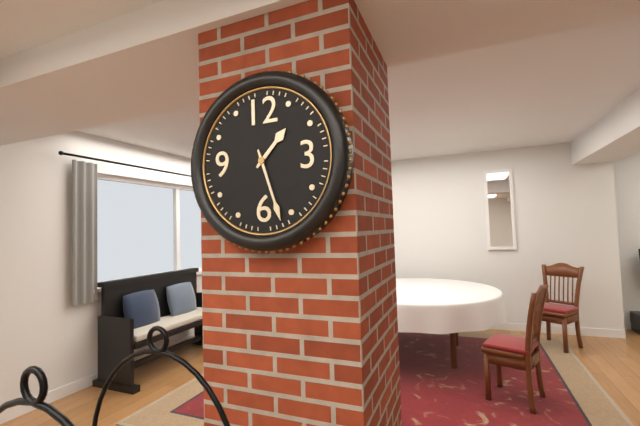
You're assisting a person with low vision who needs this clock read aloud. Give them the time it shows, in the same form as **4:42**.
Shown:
**1:27**
